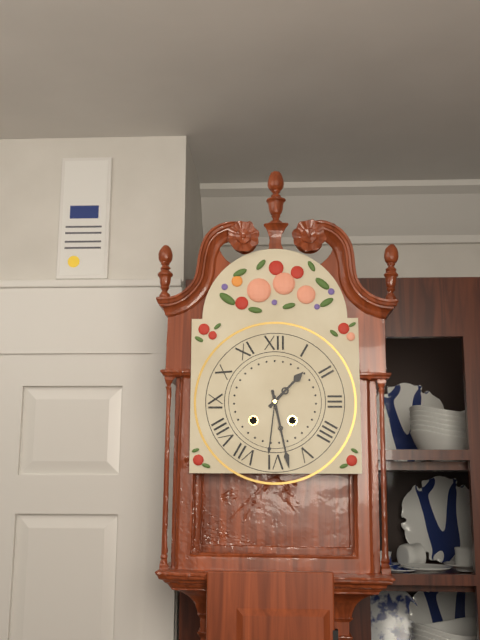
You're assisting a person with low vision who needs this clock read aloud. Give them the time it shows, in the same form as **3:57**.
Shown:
**1:28**
